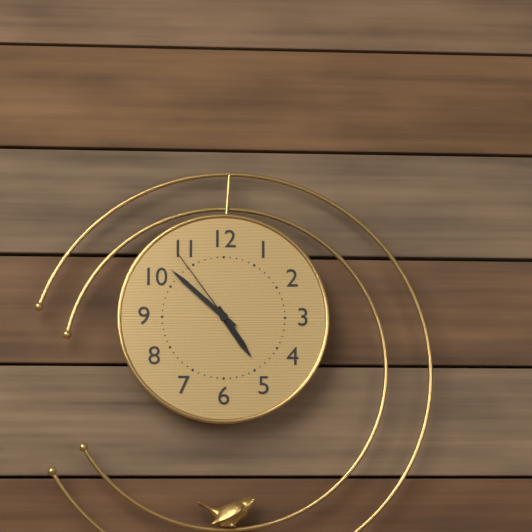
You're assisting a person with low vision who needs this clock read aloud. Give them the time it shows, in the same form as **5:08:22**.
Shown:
**4:52:54**
